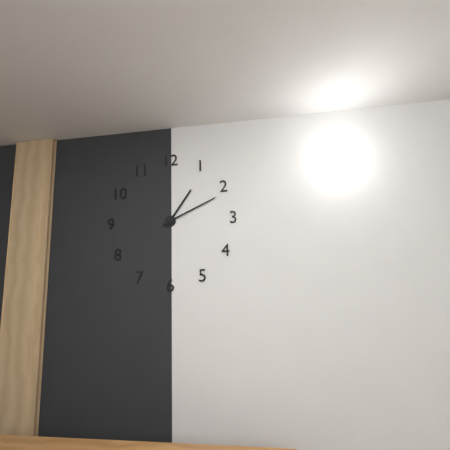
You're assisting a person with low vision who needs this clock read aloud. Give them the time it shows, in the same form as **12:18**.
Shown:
**1:11**
